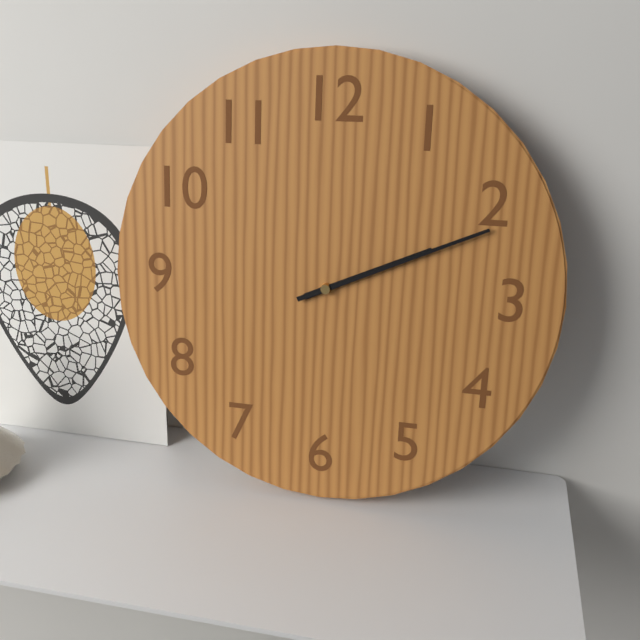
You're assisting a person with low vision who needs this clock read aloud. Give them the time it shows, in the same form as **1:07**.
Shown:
**2:11**
